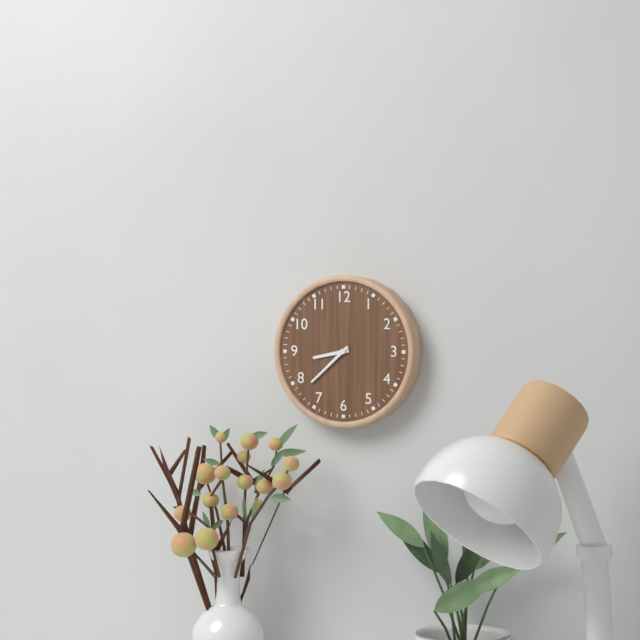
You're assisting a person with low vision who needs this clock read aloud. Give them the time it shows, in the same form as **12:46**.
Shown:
**8:38**
